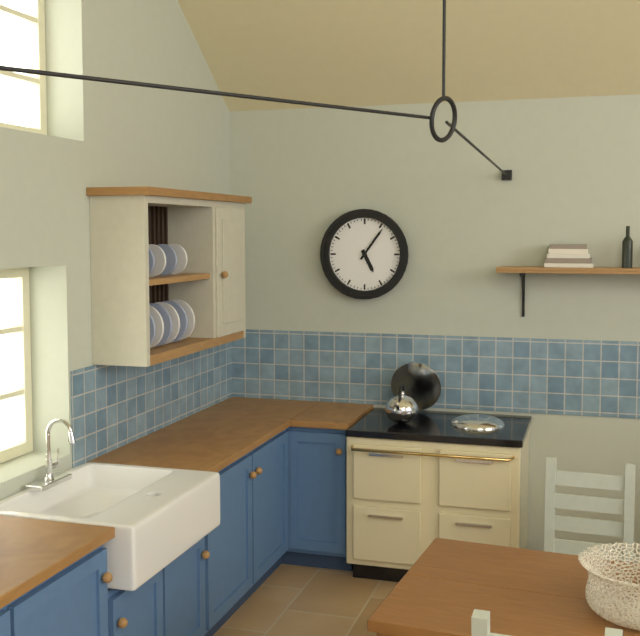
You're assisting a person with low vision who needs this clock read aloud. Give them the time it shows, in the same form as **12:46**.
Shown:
**5:06**
